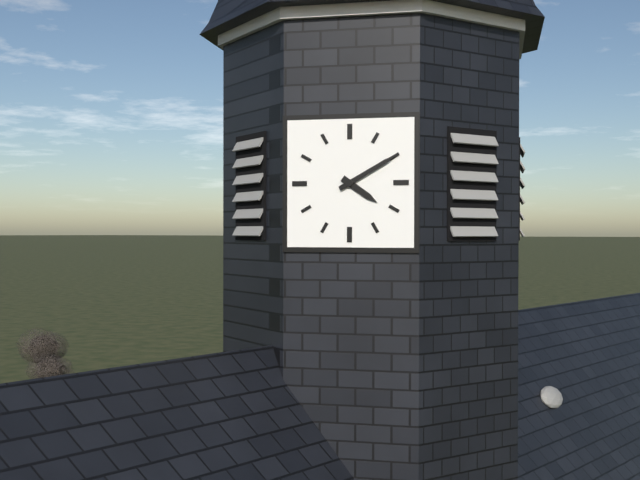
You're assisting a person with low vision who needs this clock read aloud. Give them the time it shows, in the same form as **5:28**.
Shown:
**4:10**
